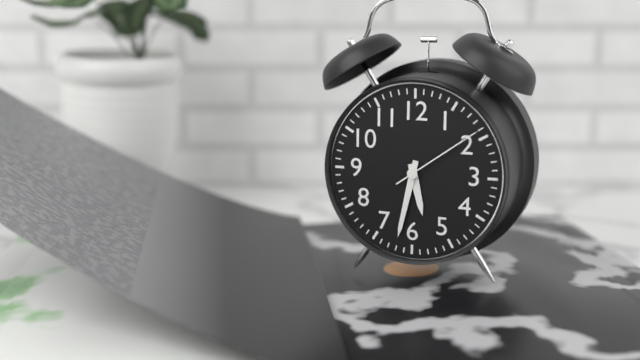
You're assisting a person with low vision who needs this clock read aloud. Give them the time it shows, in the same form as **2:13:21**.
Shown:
**5:32:09**
